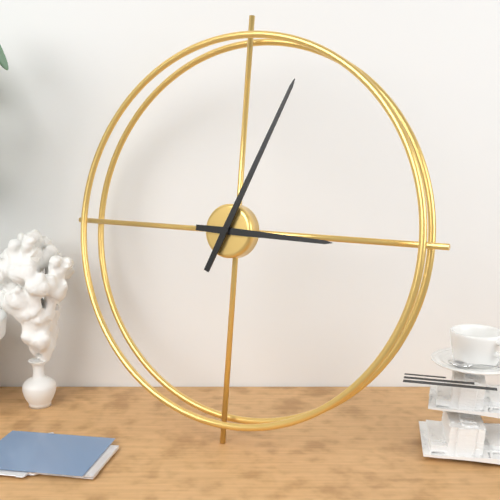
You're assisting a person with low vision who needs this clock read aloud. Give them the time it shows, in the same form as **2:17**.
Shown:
**3:04**
